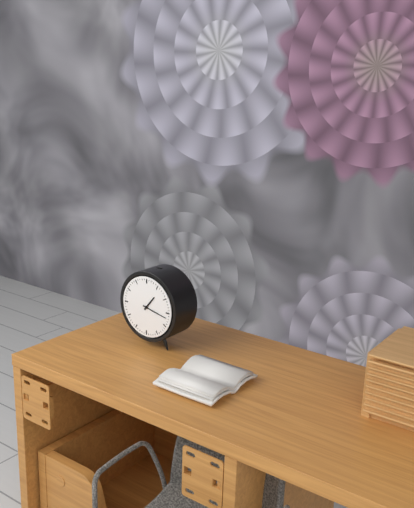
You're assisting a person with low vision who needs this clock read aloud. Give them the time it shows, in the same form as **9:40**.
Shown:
**1:17**
